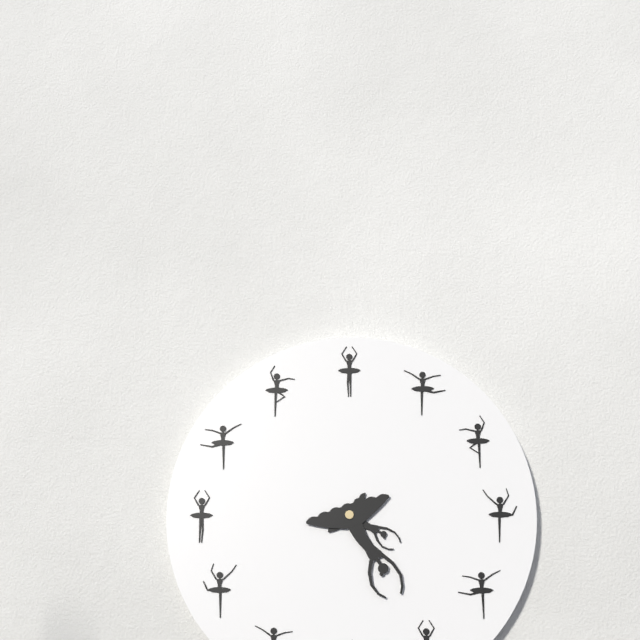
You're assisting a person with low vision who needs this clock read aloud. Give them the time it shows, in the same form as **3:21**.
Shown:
**4:27**
